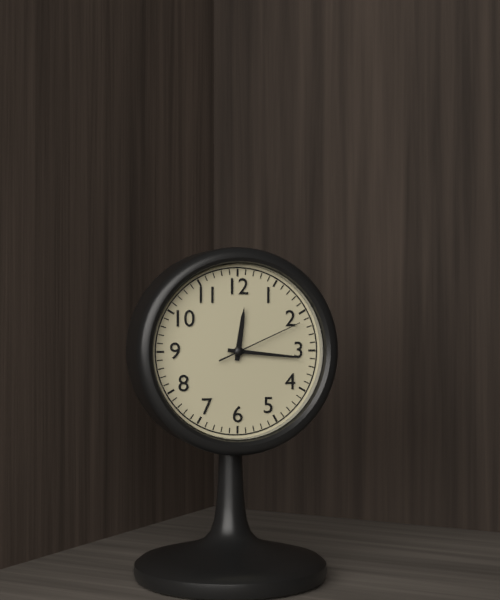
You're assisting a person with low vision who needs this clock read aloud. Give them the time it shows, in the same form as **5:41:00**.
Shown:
**12:16:11**
